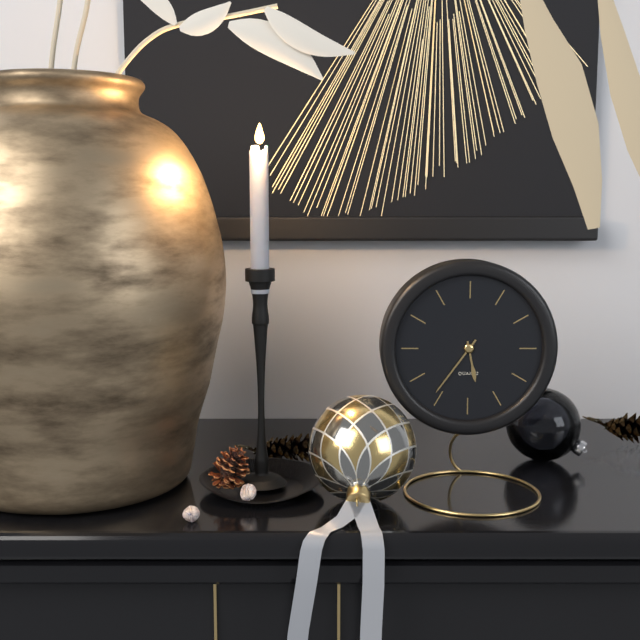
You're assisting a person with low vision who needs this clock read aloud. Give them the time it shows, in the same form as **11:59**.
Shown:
**5:36**
